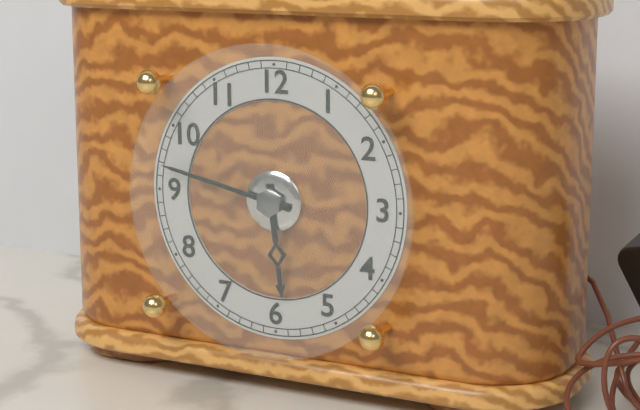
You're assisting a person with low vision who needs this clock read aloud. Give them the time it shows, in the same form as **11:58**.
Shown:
**5:47**
